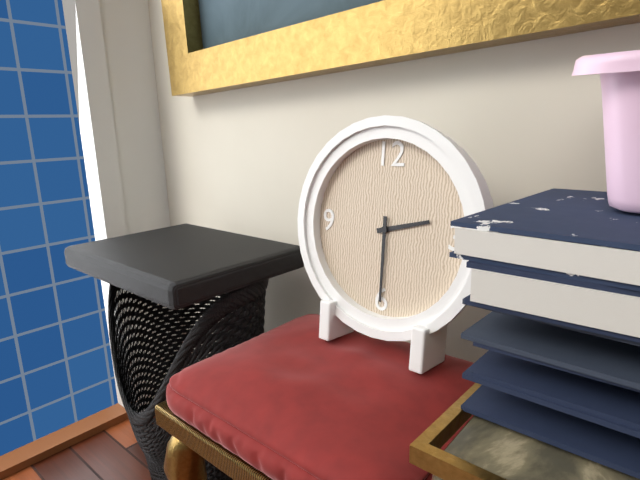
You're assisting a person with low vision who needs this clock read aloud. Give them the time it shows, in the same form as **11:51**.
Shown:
**2:30**
